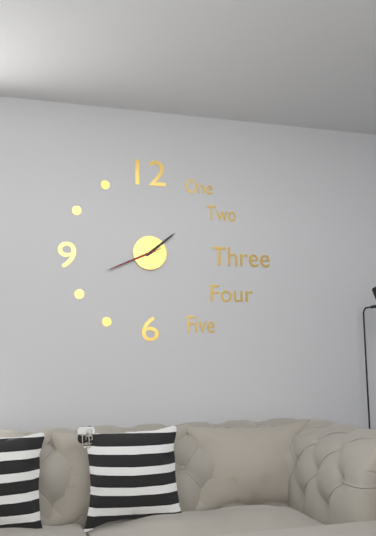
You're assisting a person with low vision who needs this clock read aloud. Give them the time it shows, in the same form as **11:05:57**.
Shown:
**1:41:41**
